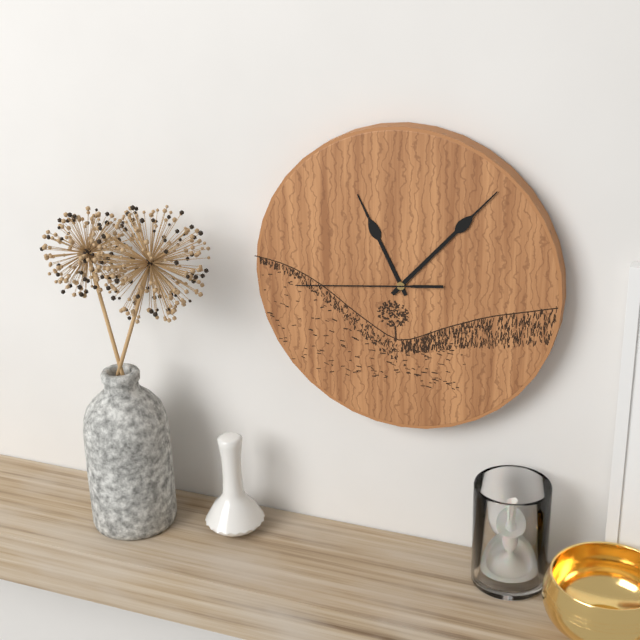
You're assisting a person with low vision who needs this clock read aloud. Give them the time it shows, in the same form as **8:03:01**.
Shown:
**11:07:44**
